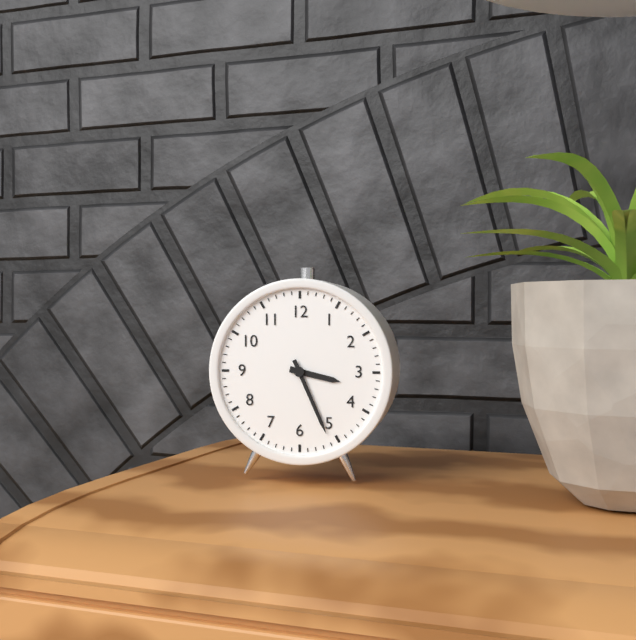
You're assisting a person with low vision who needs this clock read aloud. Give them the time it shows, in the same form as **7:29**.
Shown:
**3:26**
